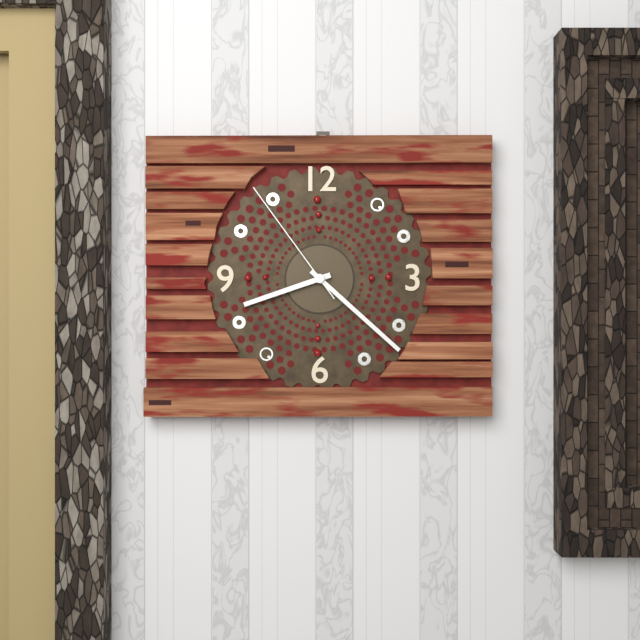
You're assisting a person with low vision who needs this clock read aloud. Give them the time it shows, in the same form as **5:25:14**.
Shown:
**8:22:54**
